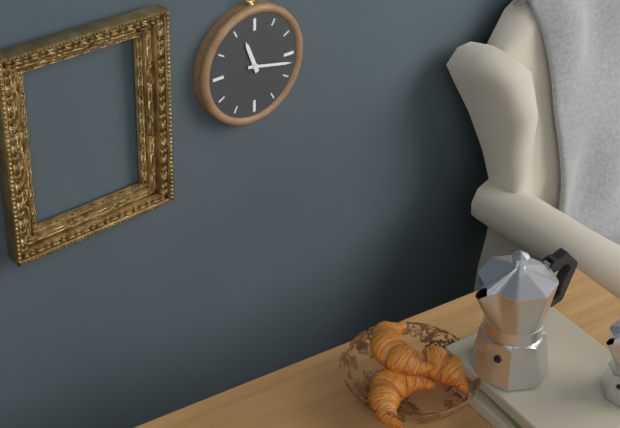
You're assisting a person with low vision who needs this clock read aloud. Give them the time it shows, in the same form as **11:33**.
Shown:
**11:17**
